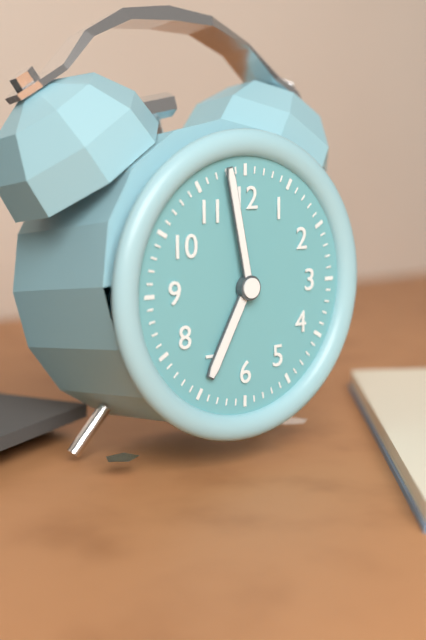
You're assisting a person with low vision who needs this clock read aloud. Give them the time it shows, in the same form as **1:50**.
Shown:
**6:58**
